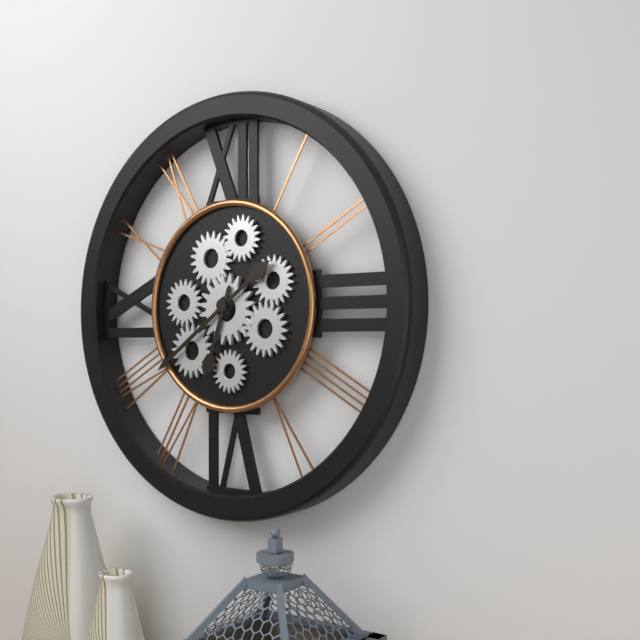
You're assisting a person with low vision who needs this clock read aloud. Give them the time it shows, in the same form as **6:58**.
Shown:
**6:39**
